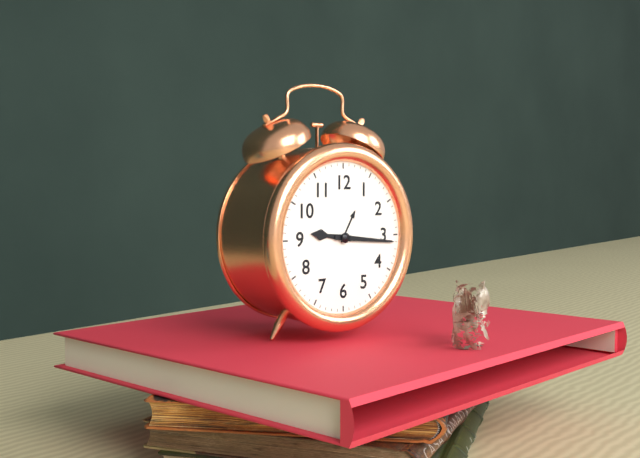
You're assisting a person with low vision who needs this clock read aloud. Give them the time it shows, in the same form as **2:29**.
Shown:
**9:16**
